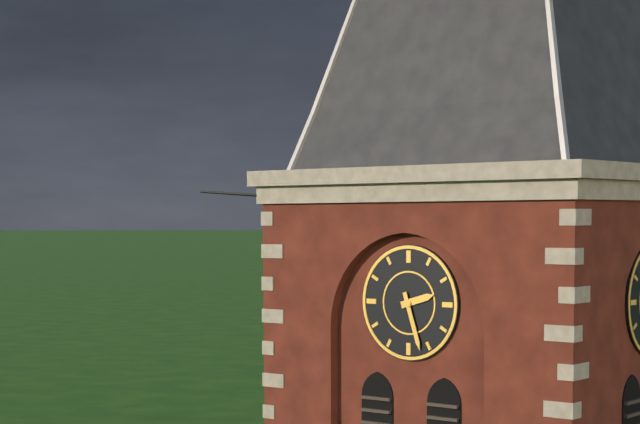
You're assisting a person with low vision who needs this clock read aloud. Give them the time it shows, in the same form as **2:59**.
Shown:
**2:27**
